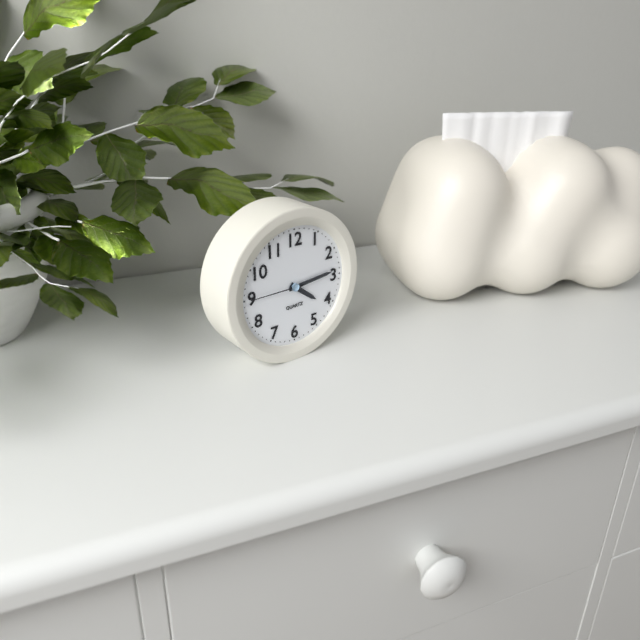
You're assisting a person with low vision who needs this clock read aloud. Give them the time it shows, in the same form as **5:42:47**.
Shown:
**4:14:45**
